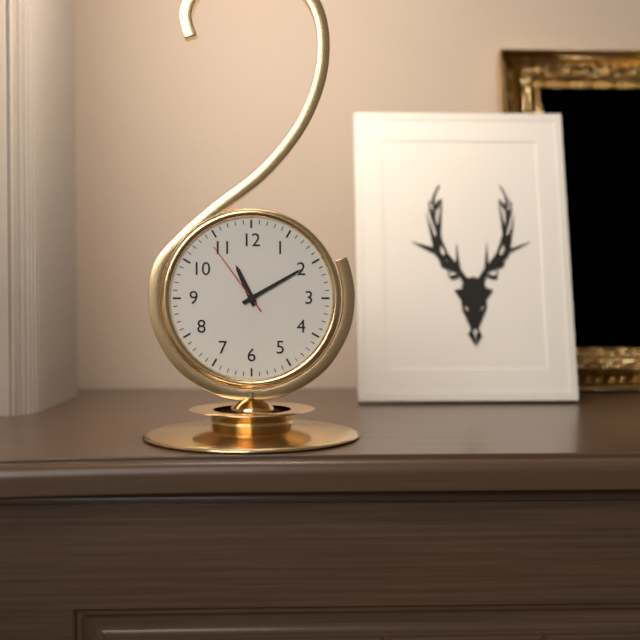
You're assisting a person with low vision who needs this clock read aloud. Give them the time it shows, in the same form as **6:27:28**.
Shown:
**11:10:54**
